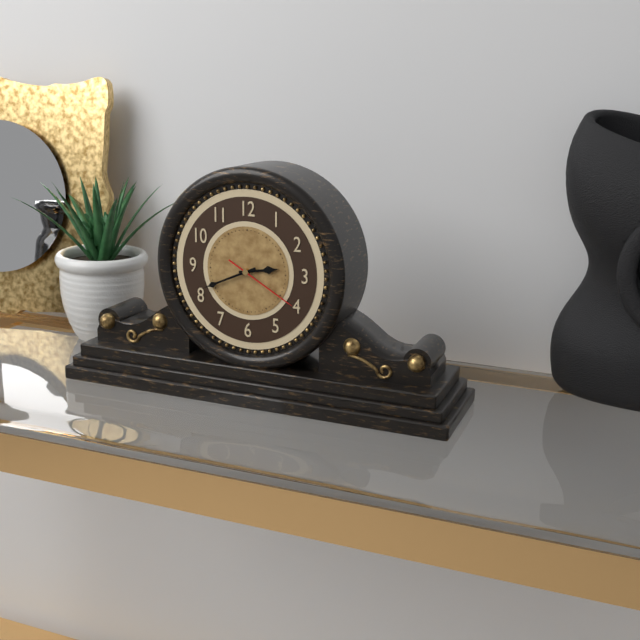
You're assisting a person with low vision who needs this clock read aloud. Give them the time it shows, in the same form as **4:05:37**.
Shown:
**2:41:20**
